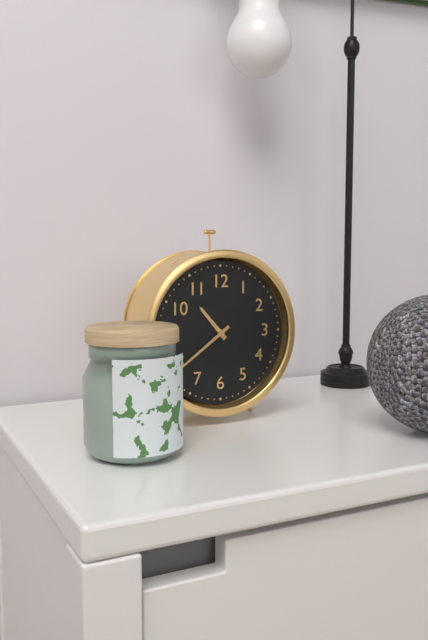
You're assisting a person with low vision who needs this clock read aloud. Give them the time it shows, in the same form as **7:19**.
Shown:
**10:39**
